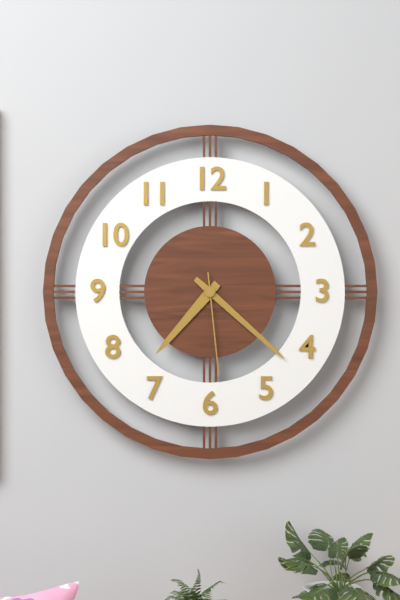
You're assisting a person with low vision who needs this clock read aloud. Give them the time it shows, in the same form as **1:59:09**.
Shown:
**7:22:29**
